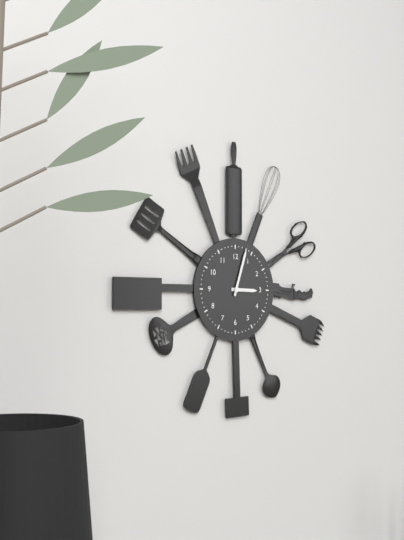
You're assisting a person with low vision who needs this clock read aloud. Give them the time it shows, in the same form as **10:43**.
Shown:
**3:03**
